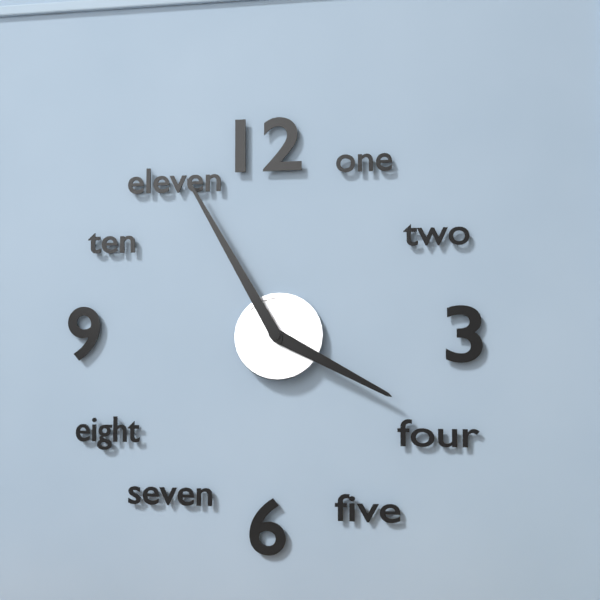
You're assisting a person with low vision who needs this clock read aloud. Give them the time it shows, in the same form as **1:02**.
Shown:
**3:55**
